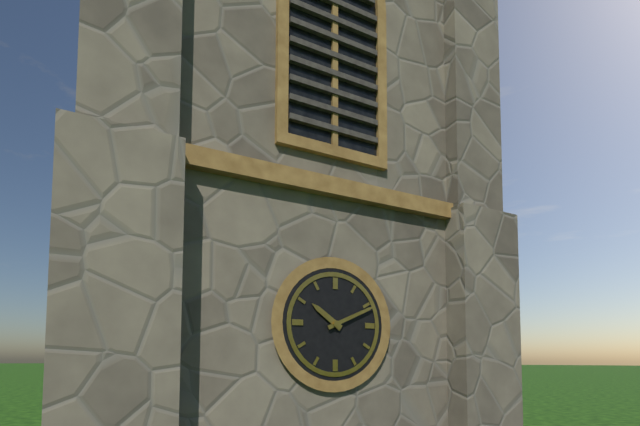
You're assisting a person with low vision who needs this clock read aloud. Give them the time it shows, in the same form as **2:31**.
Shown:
**10:11**
